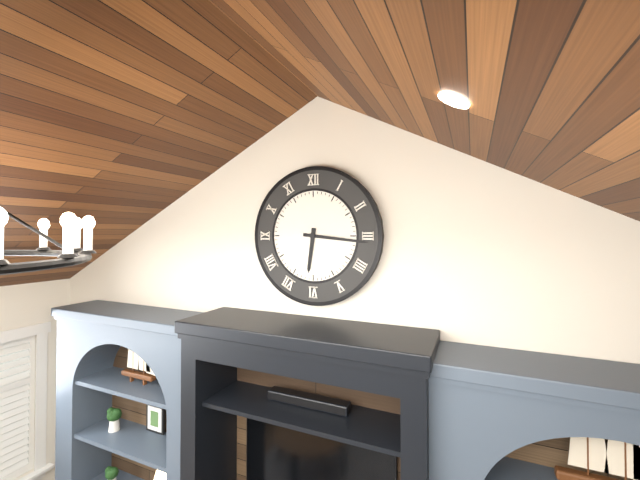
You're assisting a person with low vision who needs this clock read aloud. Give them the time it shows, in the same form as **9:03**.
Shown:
**6:16**
